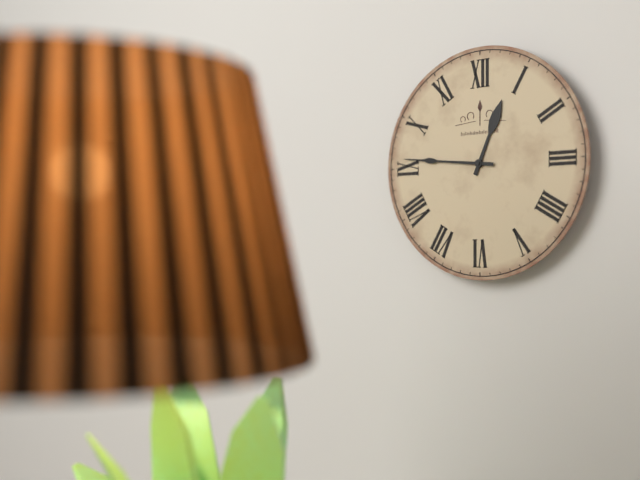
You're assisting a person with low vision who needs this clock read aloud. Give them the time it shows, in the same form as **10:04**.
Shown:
**12:46**
